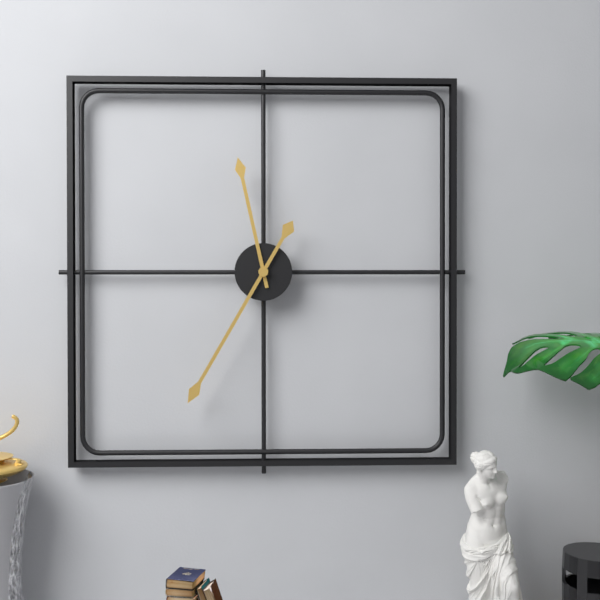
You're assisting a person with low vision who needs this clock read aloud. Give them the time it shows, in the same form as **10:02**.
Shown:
**11:35**
